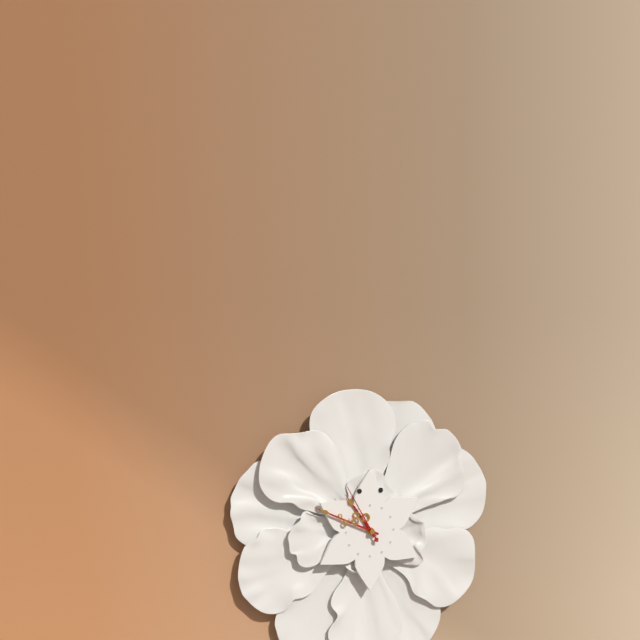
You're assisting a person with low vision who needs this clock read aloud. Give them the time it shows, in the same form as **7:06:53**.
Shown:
**10:49:55**
